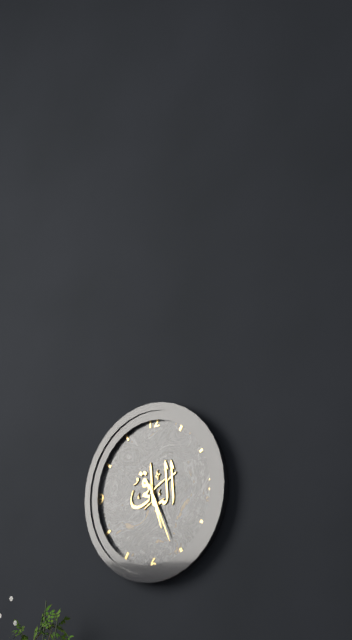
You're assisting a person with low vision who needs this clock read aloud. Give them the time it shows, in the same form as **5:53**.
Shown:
**5:26**
